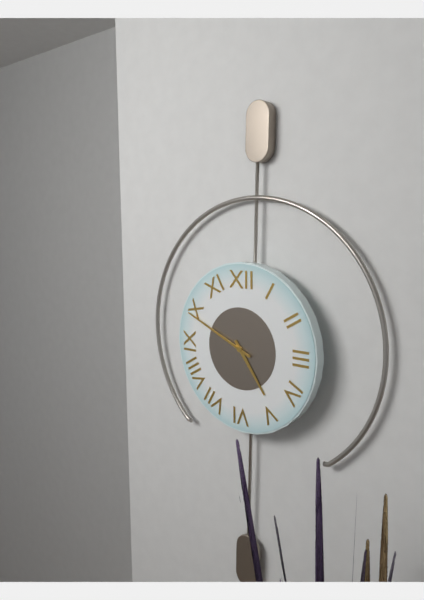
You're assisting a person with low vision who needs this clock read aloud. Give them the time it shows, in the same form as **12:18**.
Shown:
**4:49**
